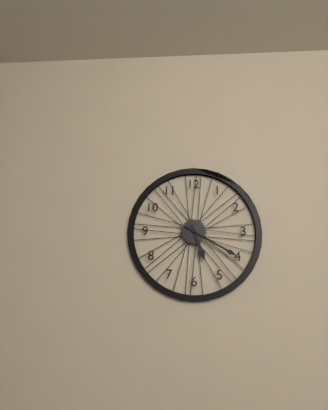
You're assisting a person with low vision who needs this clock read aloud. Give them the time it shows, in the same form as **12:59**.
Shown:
**5:20**
